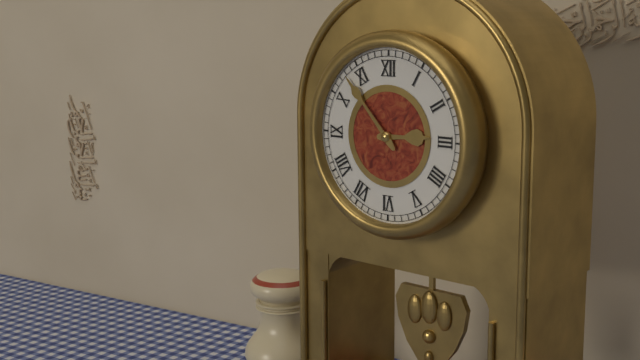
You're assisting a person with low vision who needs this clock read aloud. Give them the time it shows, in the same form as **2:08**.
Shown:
**2:53**
